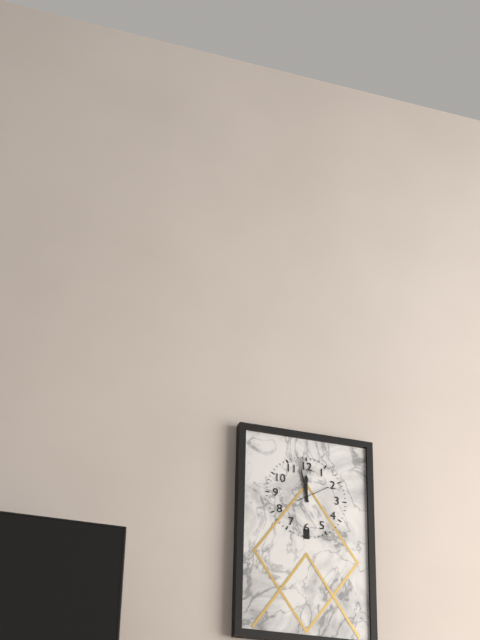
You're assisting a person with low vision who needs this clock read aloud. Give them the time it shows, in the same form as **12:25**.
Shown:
**11:58**
